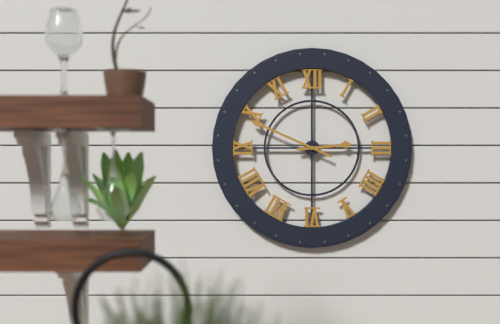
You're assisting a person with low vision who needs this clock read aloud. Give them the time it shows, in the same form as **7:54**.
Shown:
**2:49**
